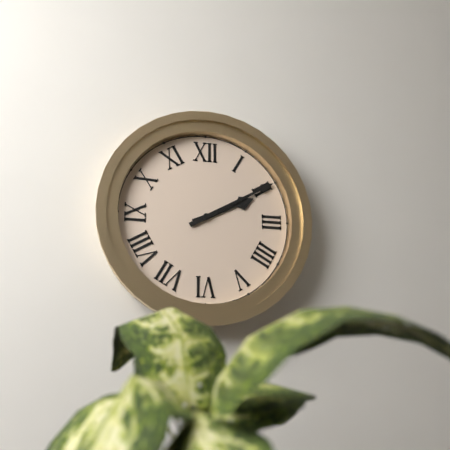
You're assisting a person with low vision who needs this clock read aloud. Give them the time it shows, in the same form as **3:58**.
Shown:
**2:10**
